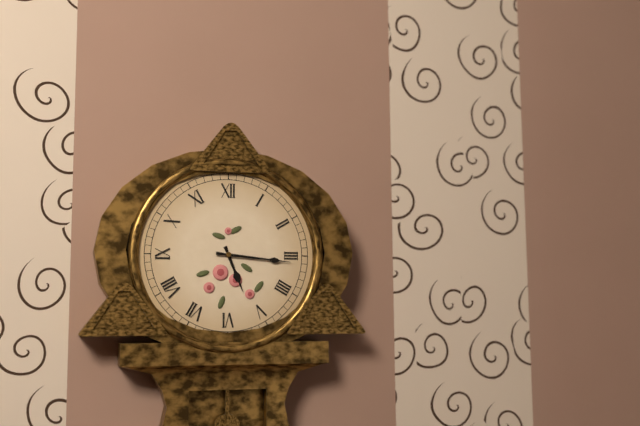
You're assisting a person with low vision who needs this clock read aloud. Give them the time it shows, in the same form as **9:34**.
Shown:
**5:16**
